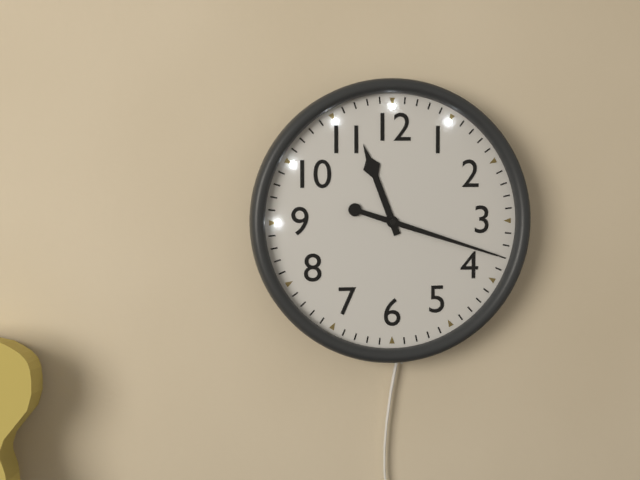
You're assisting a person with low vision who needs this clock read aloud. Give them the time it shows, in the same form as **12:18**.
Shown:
**11:18**
